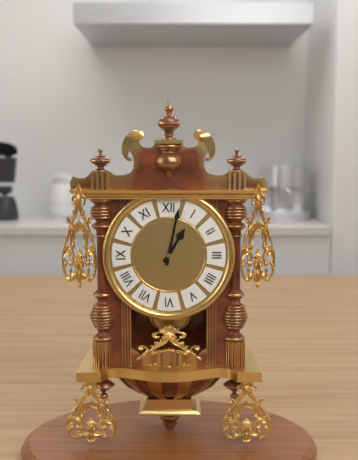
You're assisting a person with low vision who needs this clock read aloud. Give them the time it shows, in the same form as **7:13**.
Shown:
**1:02**
